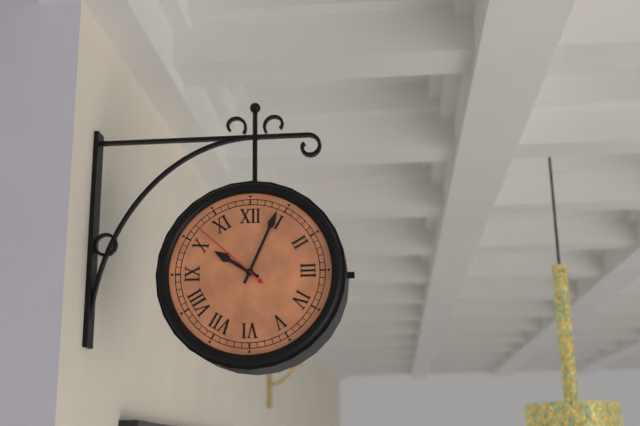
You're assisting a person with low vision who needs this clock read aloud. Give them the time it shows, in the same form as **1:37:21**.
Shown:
**10:04:52**
